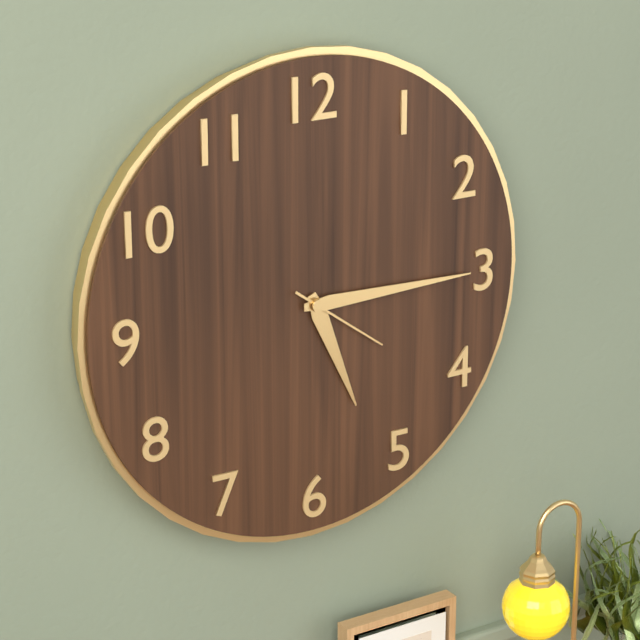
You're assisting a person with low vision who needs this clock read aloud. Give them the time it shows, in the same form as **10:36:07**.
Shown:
**5:15:21**
